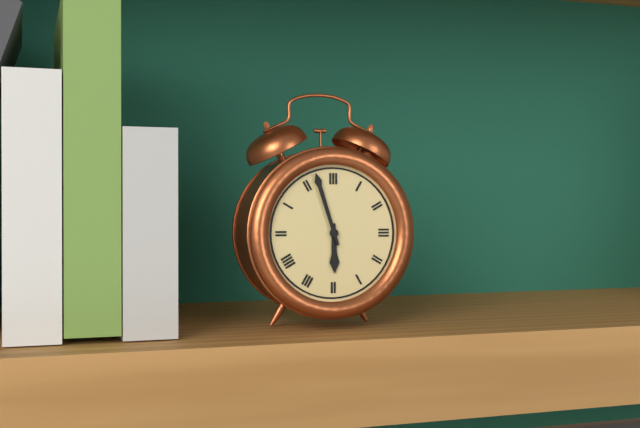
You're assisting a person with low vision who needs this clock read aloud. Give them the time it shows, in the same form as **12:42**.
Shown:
**5:57**
